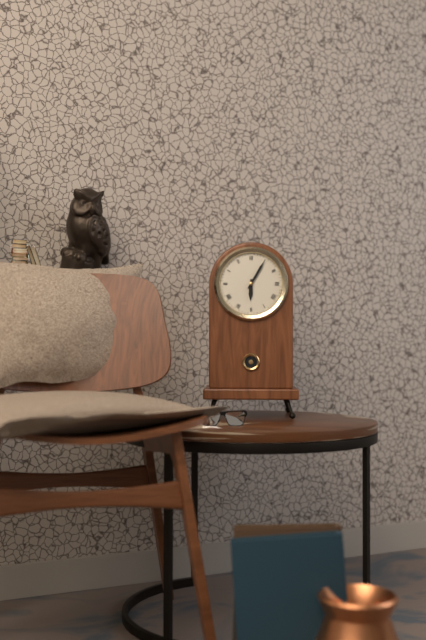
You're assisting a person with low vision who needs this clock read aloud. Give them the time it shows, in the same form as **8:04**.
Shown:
**6:05**
